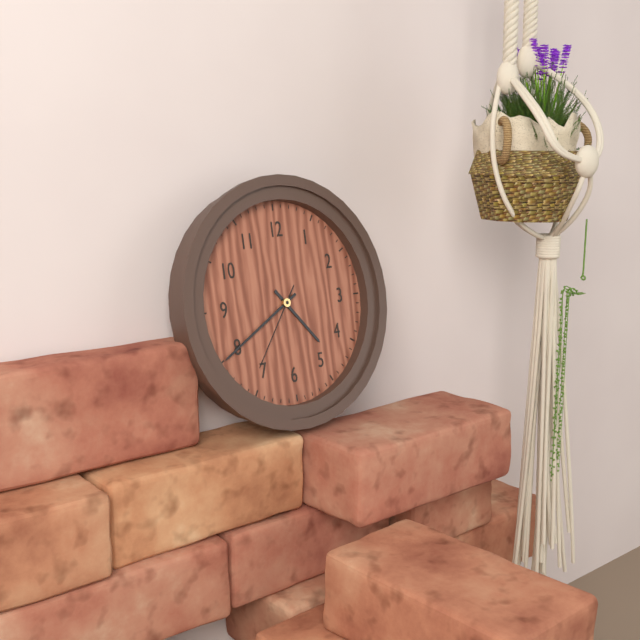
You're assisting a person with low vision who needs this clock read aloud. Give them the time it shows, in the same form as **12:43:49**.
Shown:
**4:40:36**
